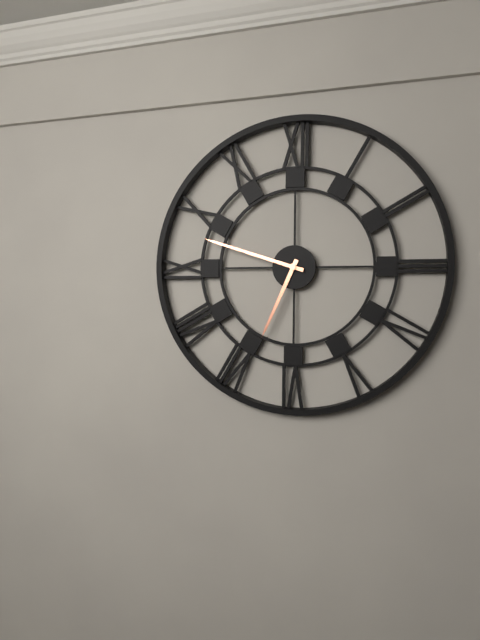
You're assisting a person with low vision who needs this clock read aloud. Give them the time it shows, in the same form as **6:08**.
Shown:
**6:48**
